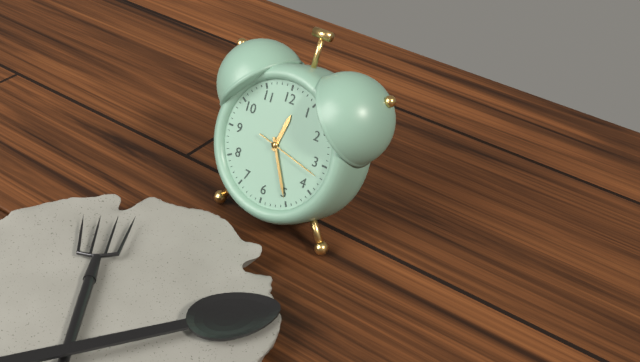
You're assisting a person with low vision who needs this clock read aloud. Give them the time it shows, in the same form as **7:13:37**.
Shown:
**12:25:17**
